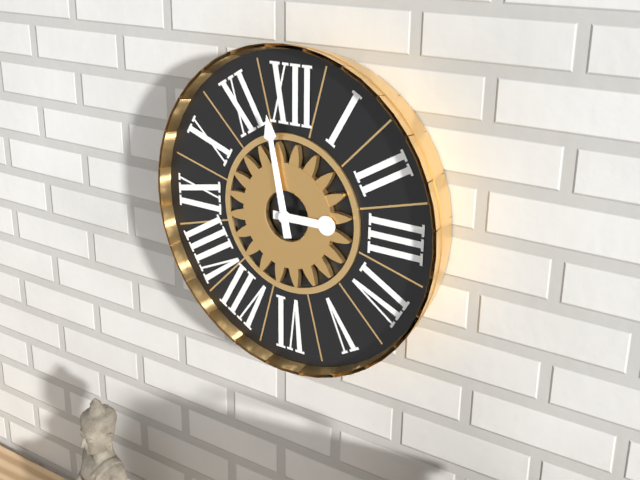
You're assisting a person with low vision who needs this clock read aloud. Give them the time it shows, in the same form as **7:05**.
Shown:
**2:58**
